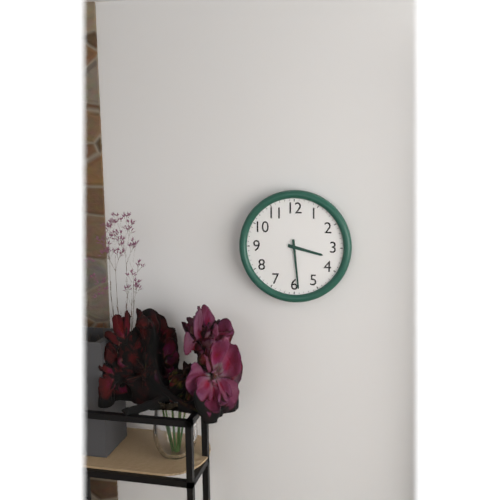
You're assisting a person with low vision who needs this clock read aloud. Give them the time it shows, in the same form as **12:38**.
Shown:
**3:29**
